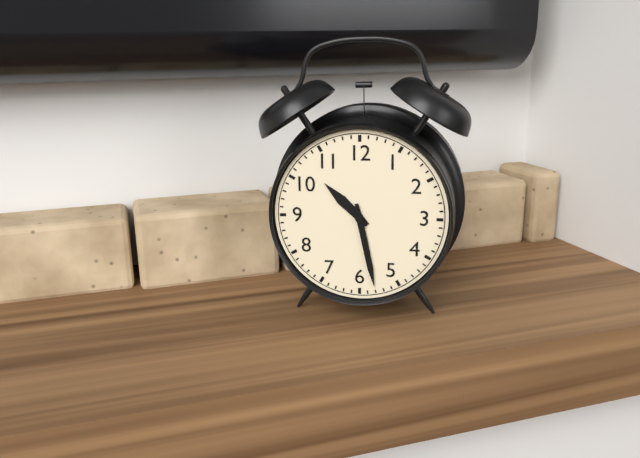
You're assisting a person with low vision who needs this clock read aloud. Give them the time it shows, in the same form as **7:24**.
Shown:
**10:28**
